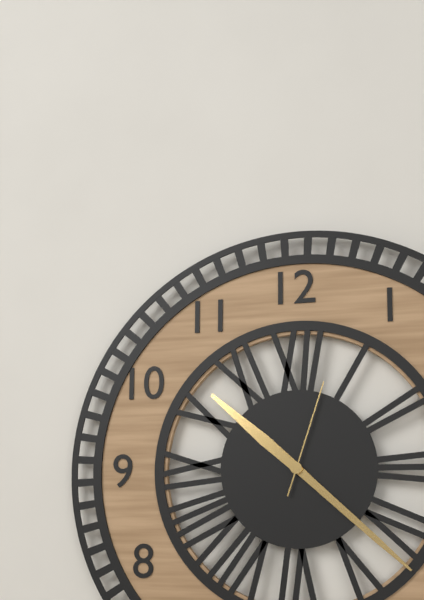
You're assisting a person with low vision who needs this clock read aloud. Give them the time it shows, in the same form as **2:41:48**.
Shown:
**10:22:03**
